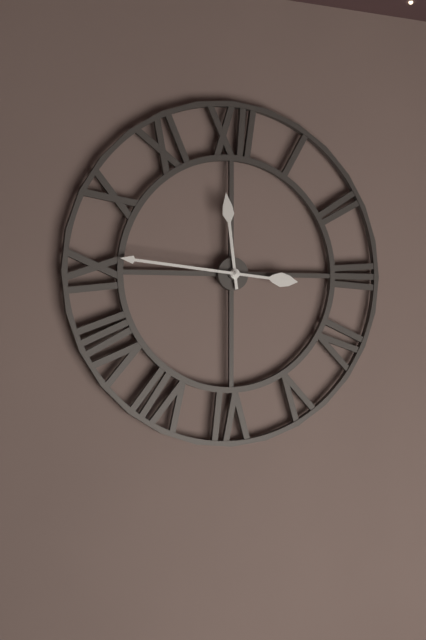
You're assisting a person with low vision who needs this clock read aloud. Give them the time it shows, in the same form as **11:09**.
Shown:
**11:46**
